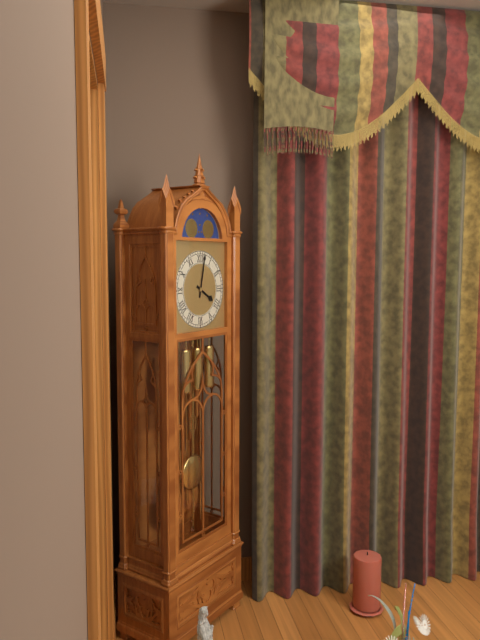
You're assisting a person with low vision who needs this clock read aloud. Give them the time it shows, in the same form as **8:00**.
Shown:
**4:02**
